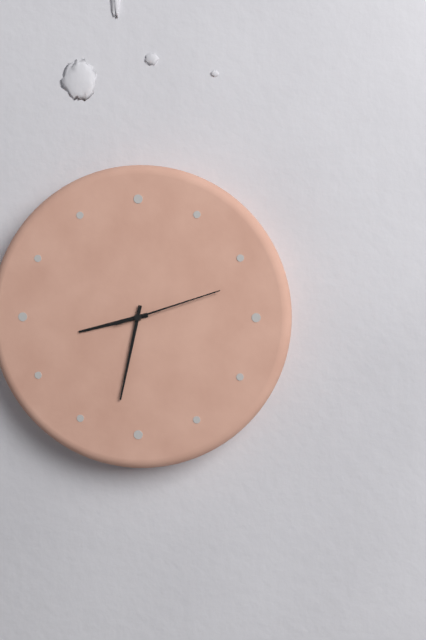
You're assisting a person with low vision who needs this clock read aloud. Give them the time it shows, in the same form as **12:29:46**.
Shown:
**8:32:12**
